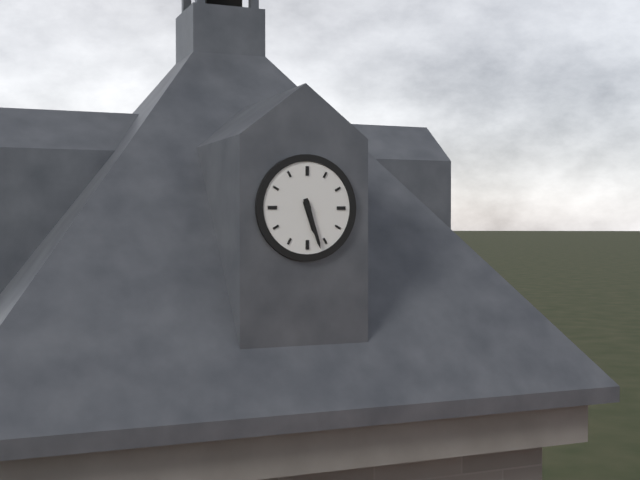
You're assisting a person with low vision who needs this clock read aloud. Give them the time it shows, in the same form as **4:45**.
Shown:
**5:27**
